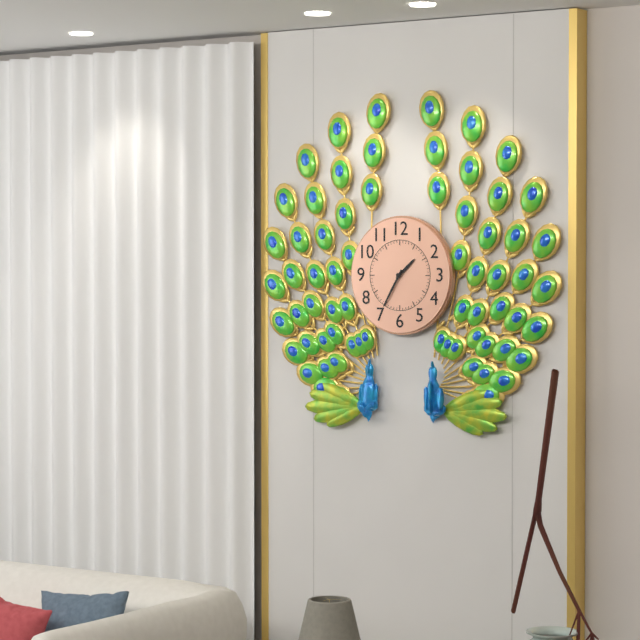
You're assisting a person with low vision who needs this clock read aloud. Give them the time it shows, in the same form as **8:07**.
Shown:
**1:35**
